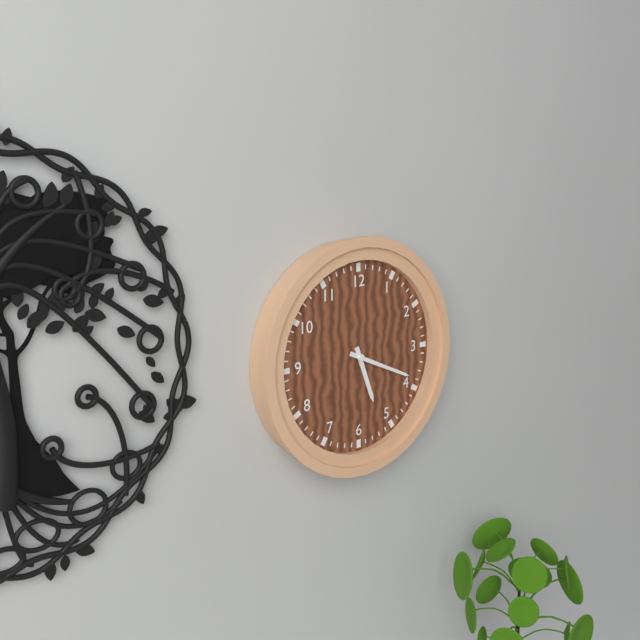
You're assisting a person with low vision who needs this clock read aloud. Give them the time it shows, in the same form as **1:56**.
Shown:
**5:19**
